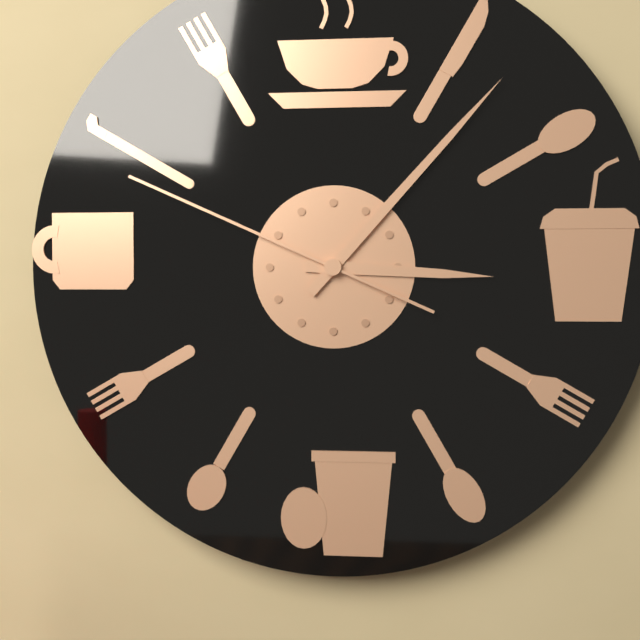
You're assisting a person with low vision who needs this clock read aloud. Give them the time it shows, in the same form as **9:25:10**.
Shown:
**3:07:49**
